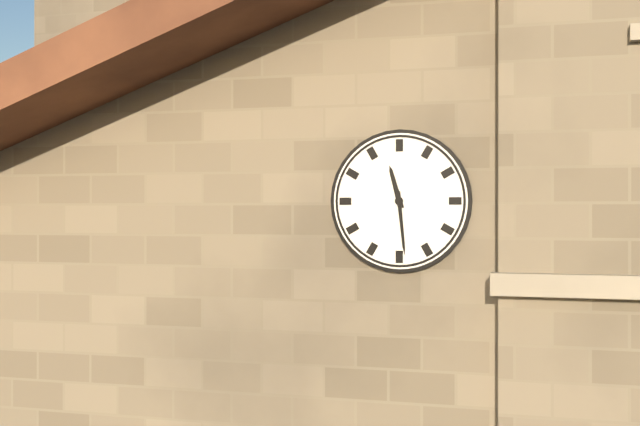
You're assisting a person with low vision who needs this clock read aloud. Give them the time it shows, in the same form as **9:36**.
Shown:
**11:29**
